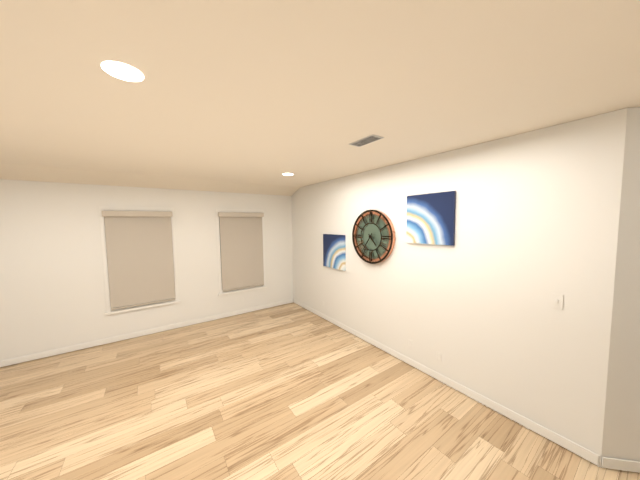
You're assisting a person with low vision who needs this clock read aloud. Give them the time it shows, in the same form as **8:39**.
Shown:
**4:36**
